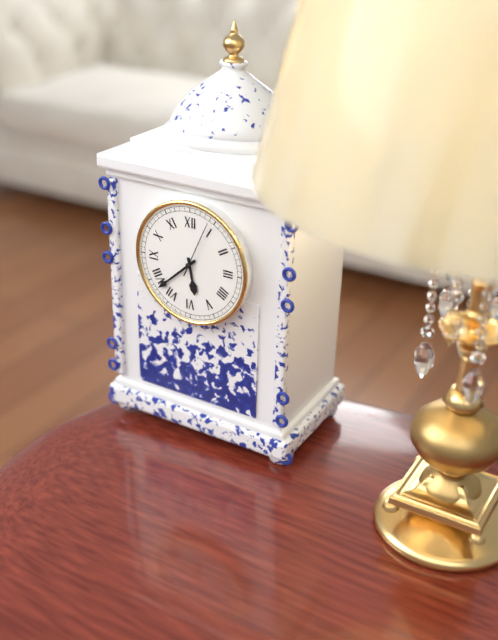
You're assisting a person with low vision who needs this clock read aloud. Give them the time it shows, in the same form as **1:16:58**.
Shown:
**5:38:04**
